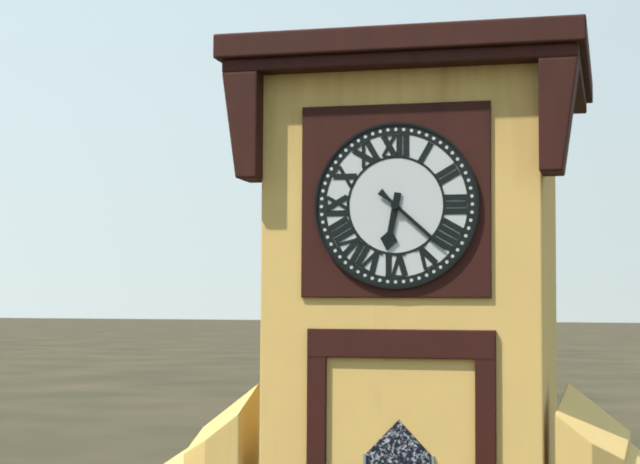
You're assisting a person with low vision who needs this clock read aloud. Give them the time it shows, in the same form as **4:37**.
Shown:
**6:22**
